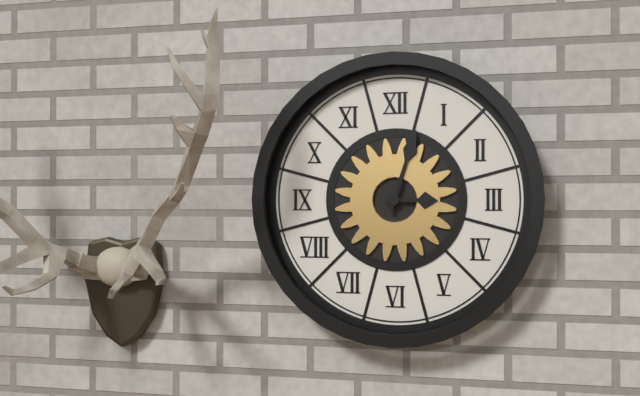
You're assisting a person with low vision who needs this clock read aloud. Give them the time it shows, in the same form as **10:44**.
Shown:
**3:03**
